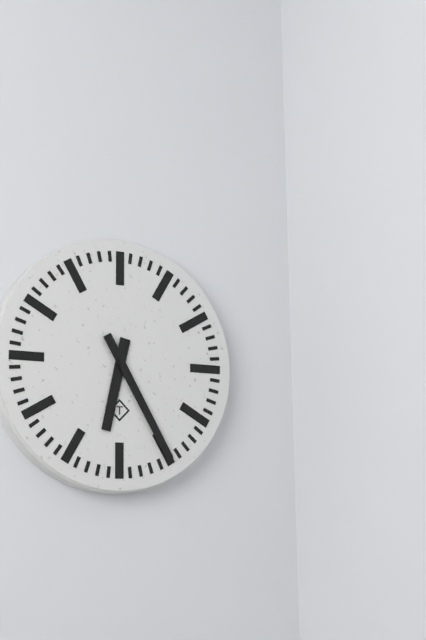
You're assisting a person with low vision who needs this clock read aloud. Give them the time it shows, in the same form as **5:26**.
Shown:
**6:25**
